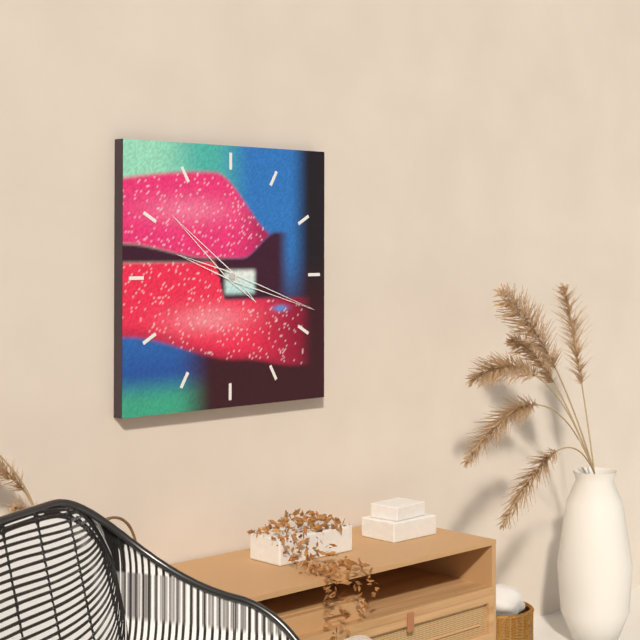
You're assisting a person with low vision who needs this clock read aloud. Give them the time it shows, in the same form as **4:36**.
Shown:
**10:18**
